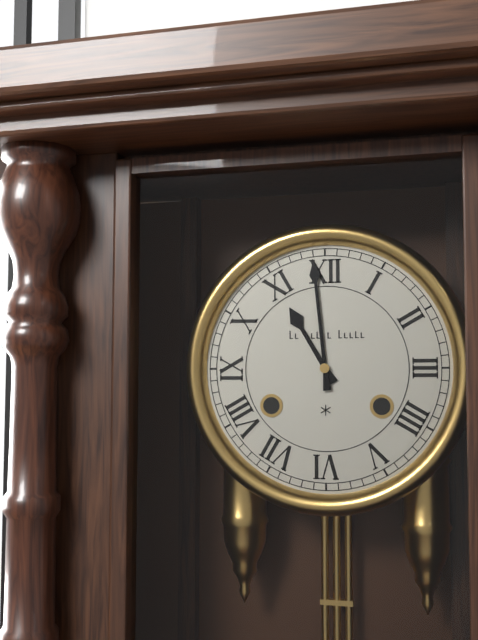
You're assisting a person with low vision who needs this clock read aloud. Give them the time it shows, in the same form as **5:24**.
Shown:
**10:59**
